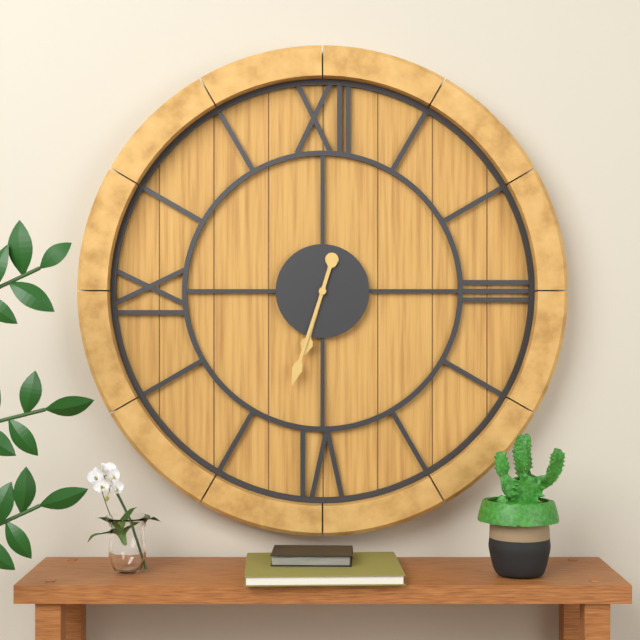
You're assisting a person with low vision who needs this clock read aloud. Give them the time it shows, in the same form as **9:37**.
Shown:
**6:33**
